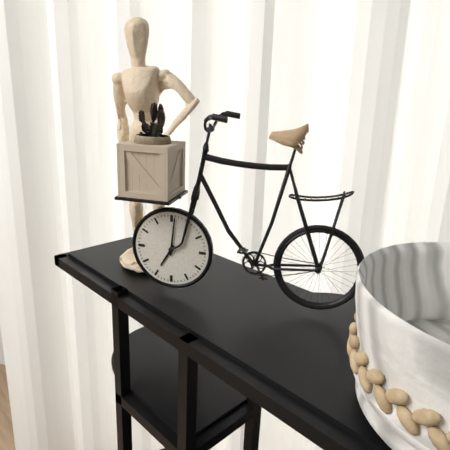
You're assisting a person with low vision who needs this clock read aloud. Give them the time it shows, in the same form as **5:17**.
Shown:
**7:01**
